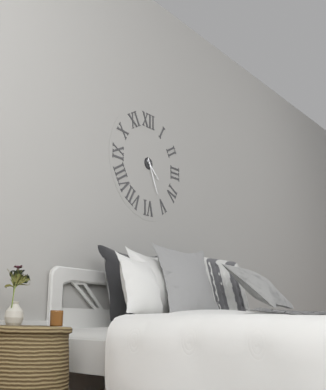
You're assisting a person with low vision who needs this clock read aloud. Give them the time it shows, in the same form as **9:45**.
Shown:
**4:26**
